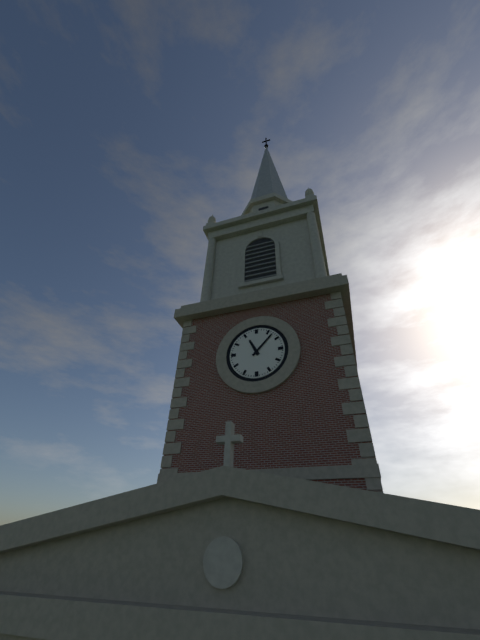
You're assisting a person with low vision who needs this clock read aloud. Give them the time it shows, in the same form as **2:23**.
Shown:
**11:07**
